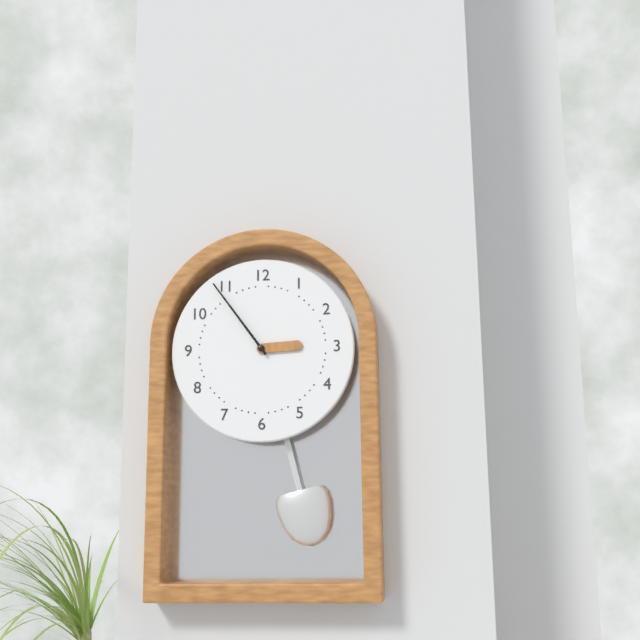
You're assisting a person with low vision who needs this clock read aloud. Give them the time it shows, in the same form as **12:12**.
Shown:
**2:54**
